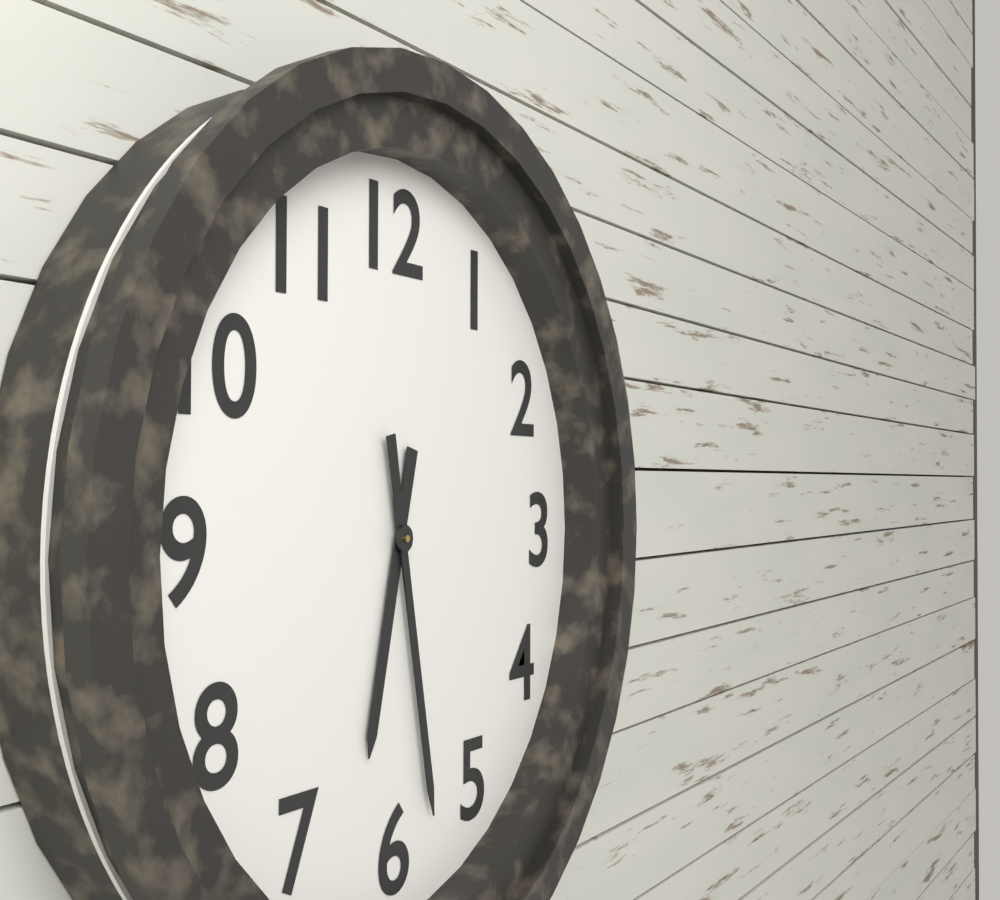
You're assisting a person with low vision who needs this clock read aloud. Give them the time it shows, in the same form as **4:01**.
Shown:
**6:28**
